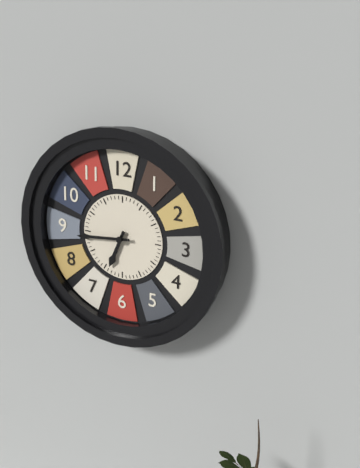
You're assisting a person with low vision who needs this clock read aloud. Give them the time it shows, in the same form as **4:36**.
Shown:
**6:44**
